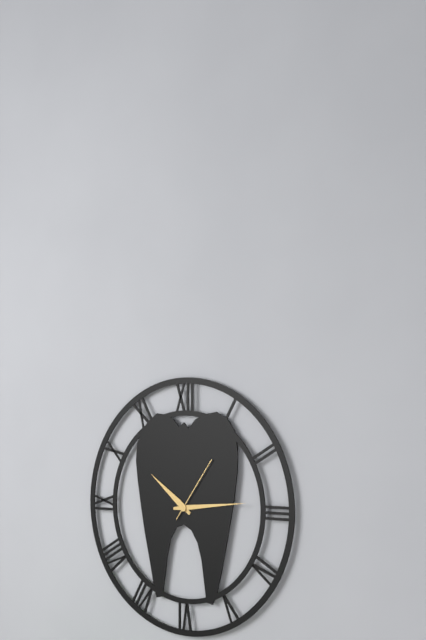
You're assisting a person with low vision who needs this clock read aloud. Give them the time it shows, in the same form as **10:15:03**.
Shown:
**10:14:06**
